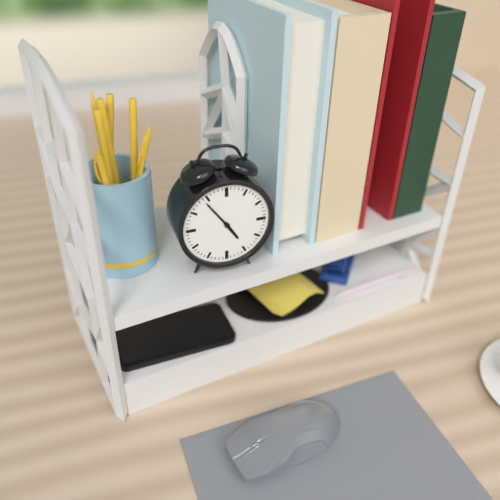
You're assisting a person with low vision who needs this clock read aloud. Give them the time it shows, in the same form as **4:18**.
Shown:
**4:54**
